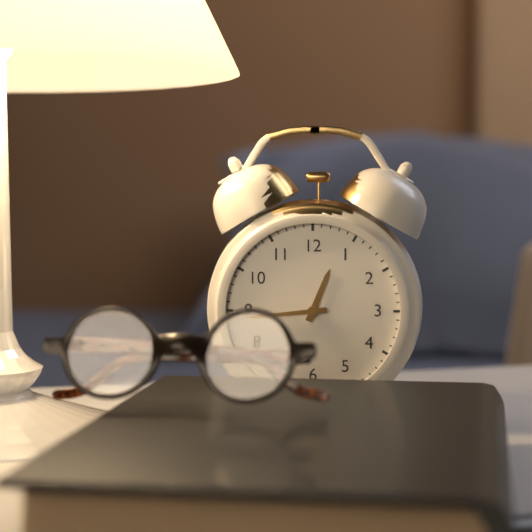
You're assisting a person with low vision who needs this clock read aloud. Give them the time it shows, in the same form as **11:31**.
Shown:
**12:44**
